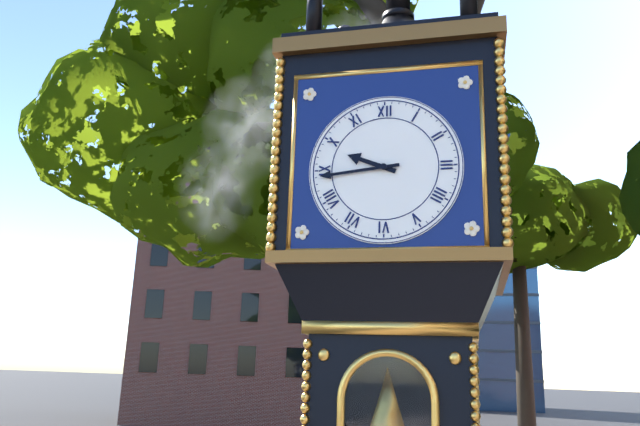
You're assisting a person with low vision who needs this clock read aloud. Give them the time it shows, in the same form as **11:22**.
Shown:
**9:44**
